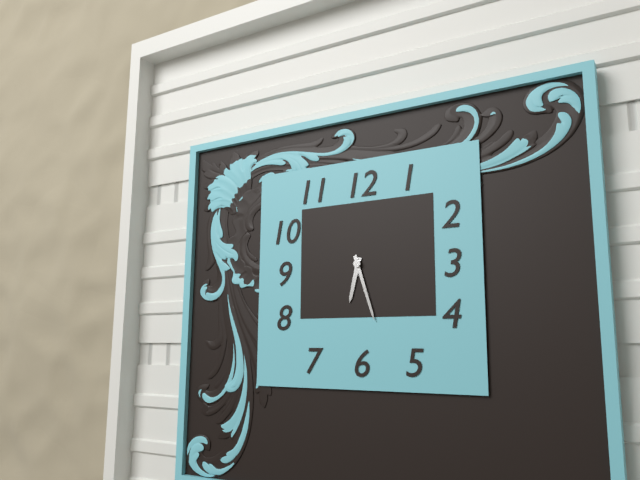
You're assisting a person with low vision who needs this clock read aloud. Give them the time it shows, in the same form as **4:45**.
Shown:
**6:27**
